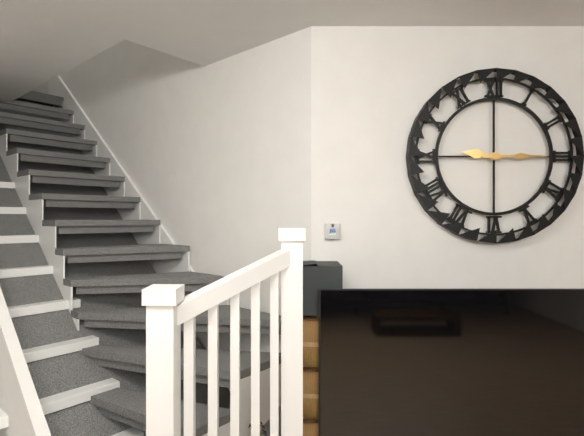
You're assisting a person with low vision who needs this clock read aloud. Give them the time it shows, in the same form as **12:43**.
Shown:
**9:15**
